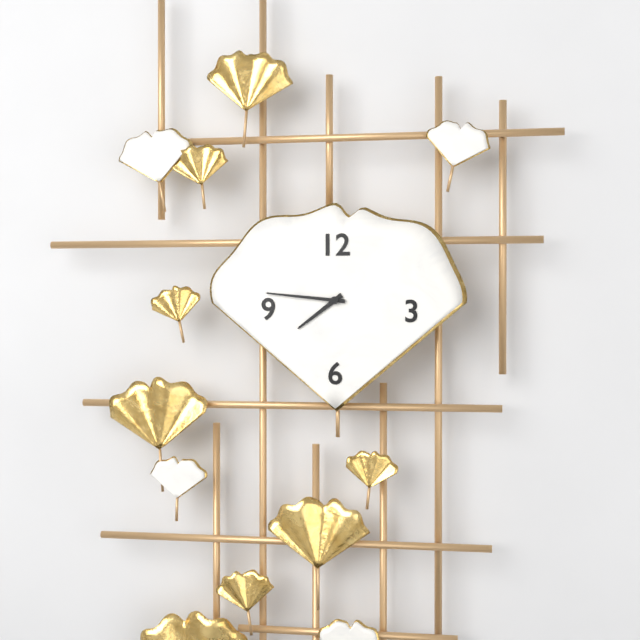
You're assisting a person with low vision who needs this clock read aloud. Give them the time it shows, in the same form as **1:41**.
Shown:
**7:46**
